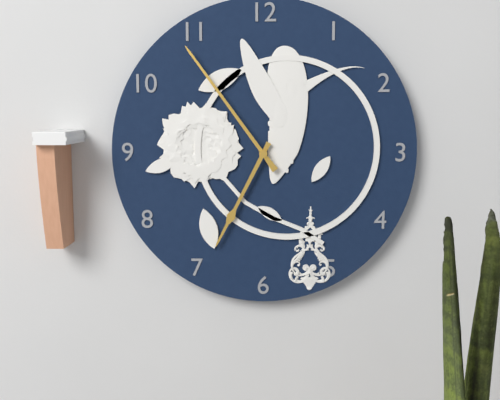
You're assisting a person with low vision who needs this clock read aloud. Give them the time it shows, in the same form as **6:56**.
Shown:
**6:54**
